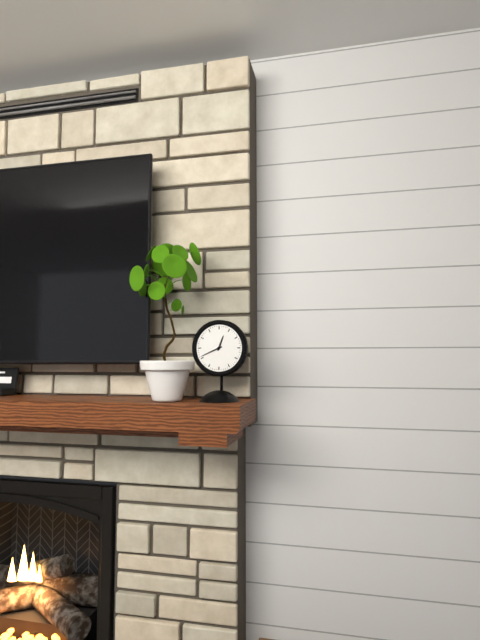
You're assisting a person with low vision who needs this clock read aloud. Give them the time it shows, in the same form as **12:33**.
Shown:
**12:41**
